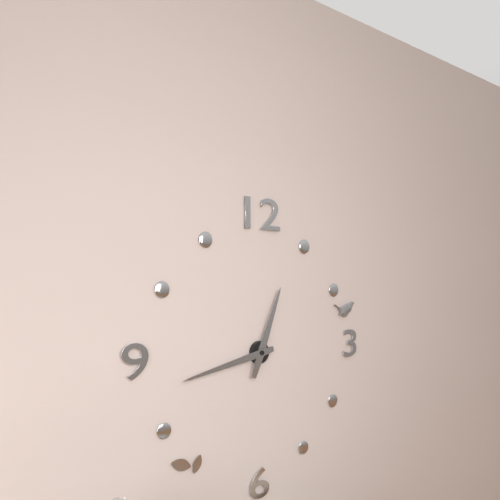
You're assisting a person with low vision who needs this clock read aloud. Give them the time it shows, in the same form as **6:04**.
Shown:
**12:43**
